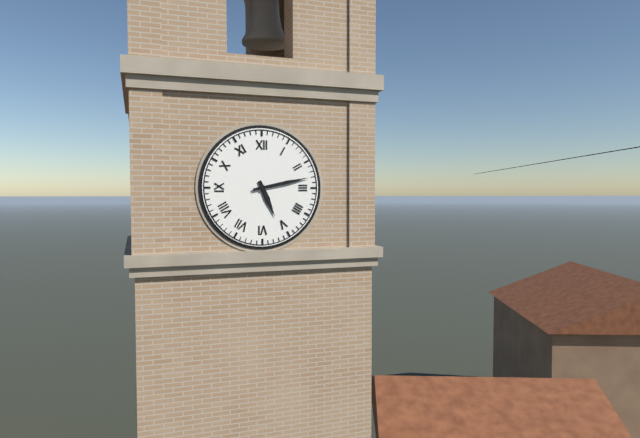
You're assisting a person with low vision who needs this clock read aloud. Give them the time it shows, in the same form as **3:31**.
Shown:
**5:13**
